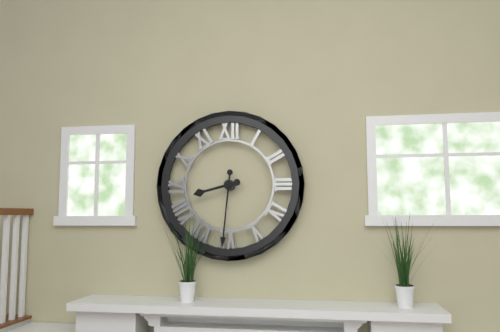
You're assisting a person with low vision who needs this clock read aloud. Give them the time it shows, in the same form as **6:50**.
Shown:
**8:31**
